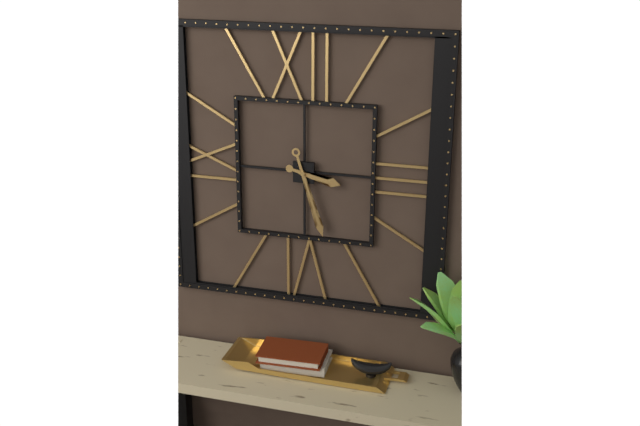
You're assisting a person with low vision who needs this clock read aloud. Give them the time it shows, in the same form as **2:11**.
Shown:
**3:27**
